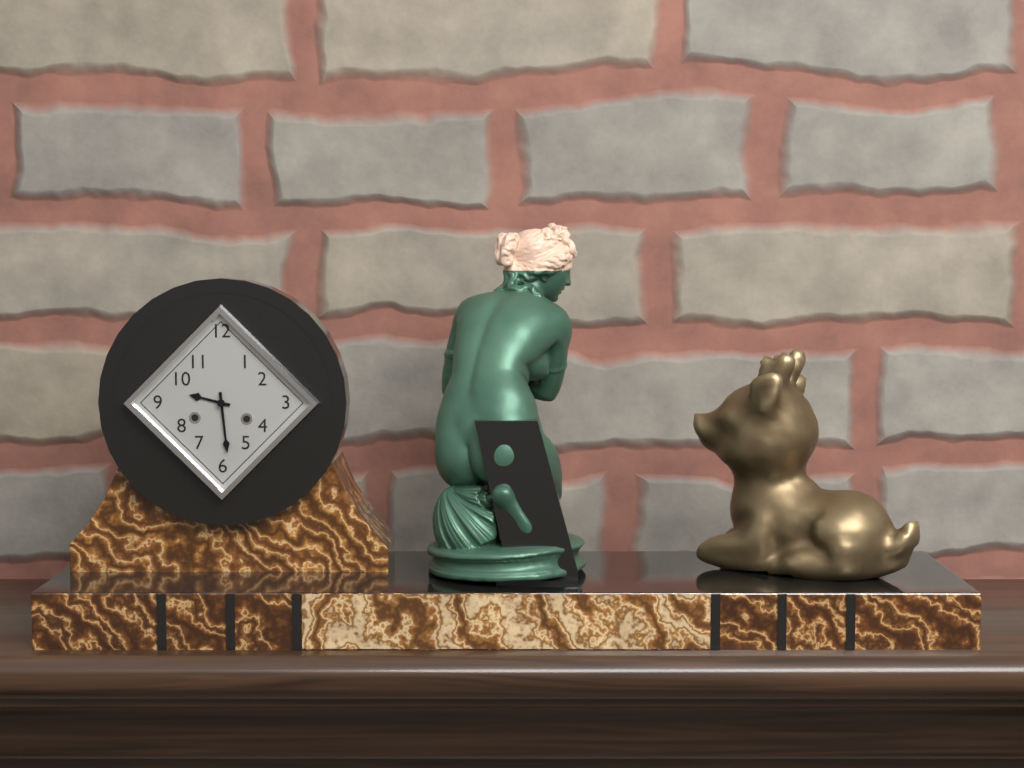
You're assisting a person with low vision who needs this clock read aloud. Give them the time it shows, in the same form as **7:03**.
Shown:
**9:29**
